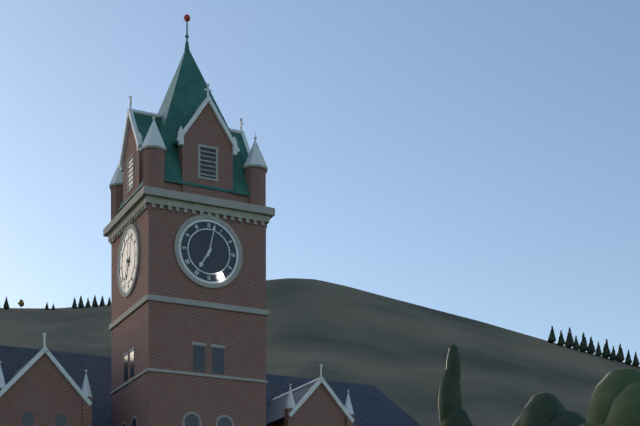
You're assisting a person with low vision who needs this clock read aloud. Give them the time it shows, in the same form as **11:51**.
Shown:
**7:02**
